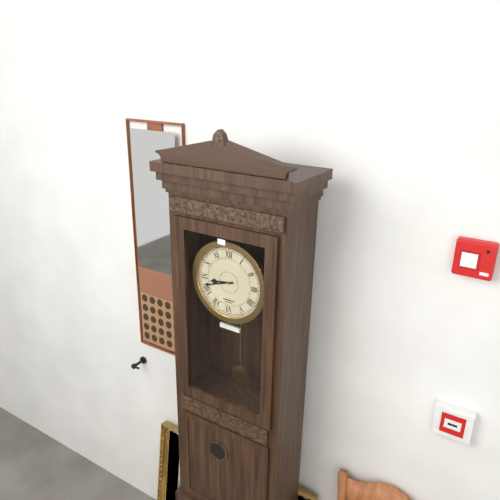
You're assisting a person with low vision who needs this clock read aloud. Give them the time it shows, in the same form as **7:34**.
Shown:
**8:42**
